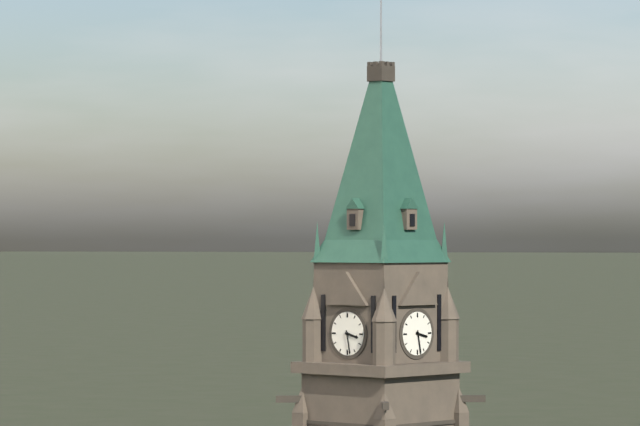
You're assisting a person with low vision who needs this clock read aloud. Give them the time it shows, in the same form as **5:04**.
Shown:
**3:28**
